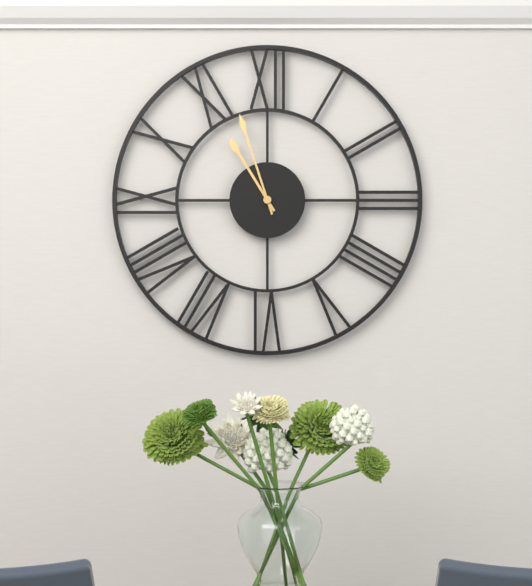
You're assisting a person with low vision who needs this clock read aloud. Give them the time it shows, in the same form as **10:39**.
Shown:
**10:57**
